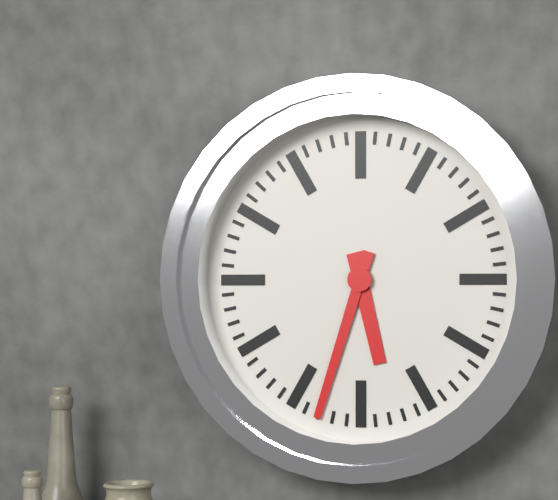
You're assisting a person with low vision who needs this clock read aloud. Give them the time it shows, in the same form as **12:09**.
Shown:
**5:33**
